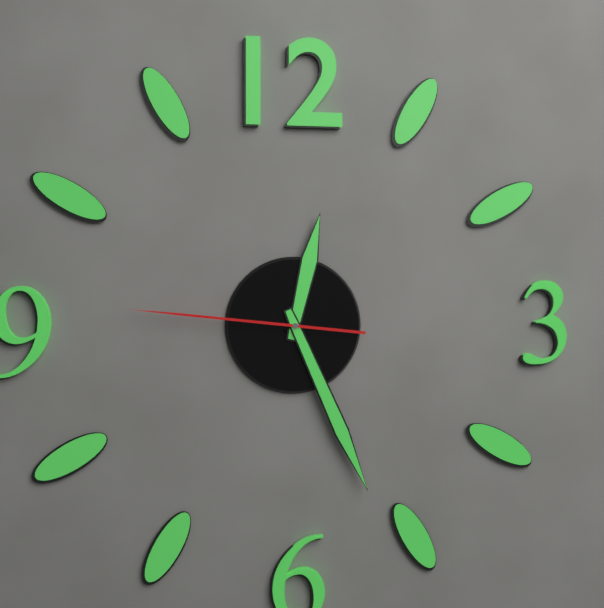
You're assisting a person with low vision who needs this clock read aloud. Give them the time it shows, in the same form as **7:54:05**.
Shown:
**12:26:46**
